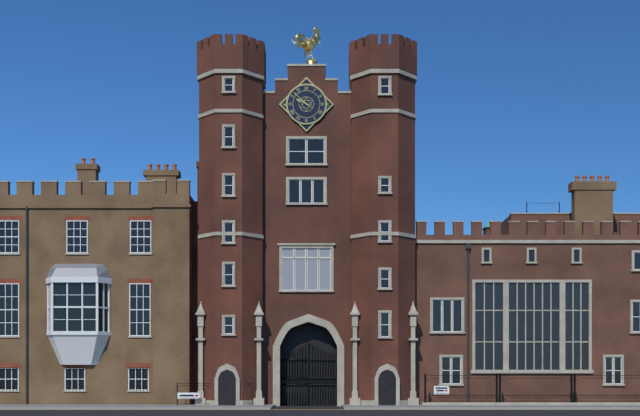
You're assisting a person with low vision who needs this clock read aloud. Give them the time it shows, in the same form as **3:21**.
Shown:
**9:52**
